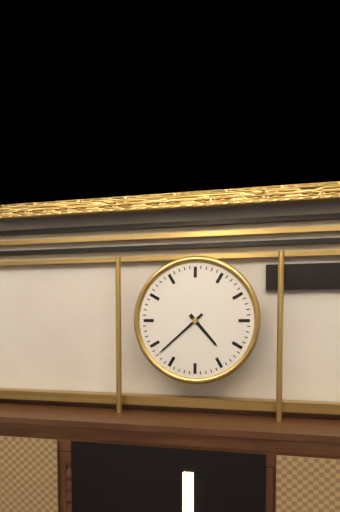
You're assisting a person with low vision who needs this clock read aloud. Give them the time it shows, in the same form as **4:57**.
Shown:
**4:38**
